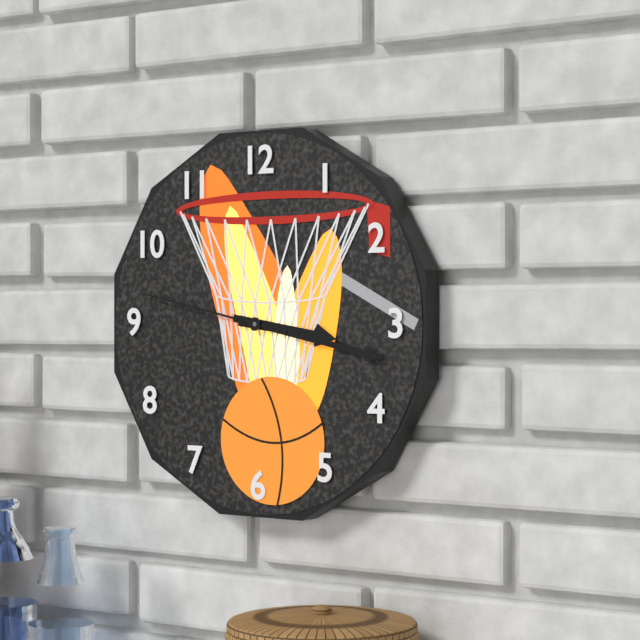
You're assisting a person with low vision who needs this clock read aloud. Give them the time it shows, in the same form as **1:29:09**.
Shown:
**3:17:47**
